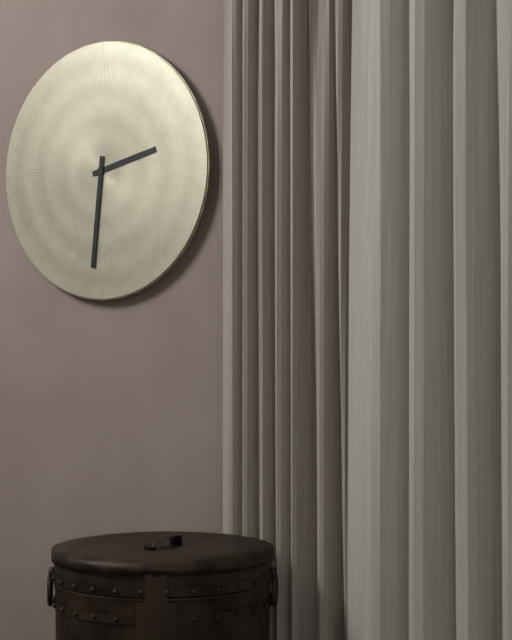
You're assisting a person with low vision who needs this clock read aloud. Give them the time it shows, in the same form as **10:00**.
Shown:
**2:31**
